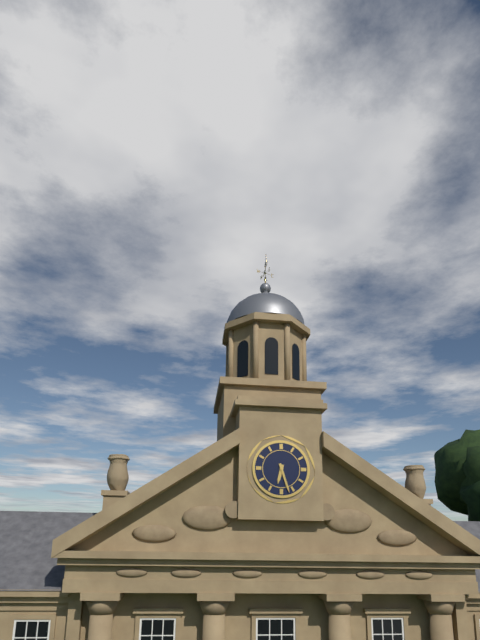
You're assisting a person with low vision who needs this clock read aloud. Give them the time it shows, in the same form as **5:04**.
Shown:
**6:27**
